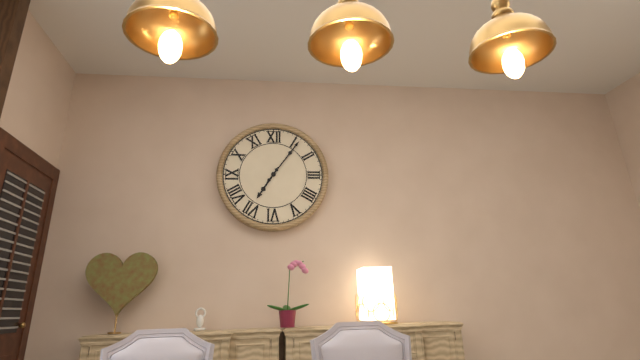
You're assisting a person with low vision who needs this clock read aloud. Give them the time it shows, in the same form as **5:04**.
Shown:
**7:06**
